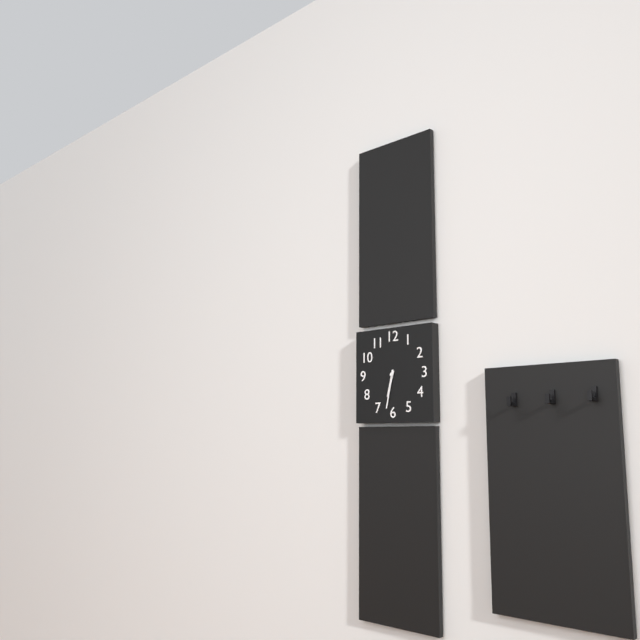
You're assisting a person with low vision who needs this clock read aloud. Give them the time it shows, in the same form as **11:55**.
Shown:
**6:32**
